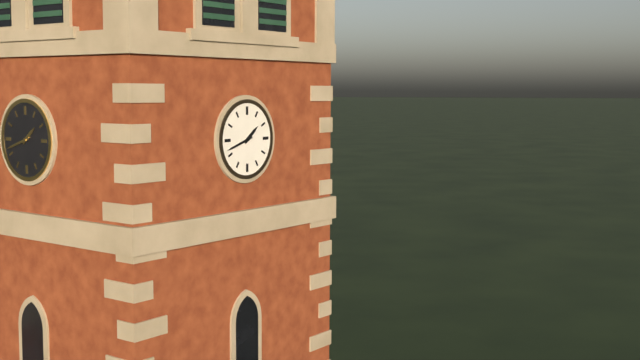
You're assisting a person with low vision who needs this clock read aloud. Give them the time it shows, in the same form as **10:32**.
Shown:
**1:42**
